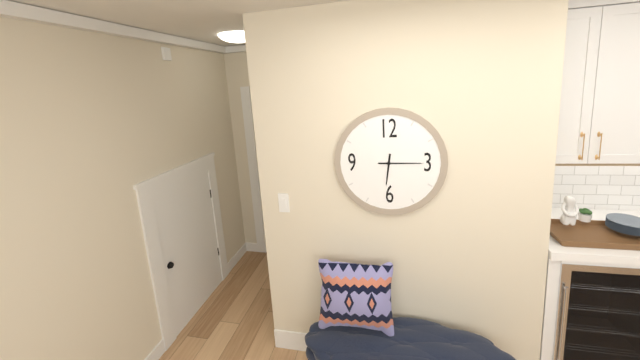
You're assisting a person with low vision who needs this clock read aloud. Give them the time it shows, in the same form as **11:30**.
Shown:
**6:15**
